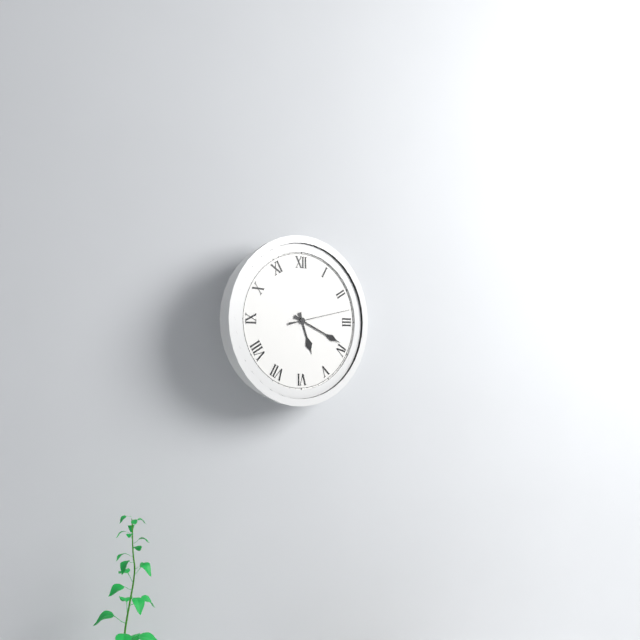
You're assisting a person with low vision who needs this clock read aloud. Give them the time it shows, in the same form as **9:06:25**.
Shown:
**5:19:13**
